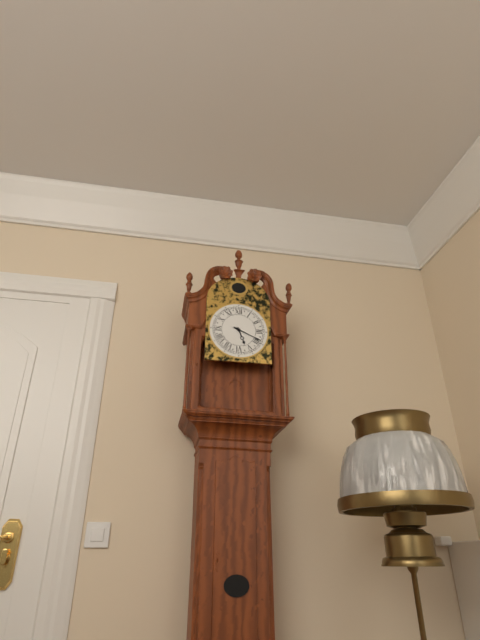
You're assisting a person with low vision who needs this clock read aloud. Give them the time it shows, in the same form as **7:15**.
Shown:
**5:19**
